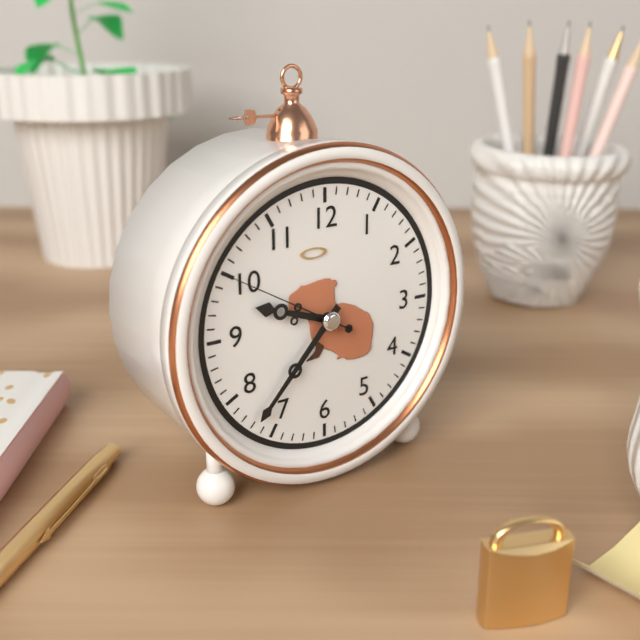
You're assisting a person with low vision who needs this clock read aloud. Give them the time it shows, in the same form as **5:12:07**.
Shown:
**9:37:50**
